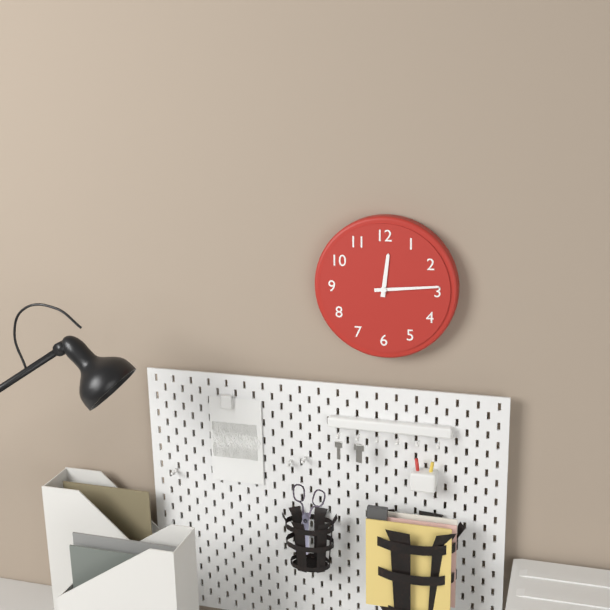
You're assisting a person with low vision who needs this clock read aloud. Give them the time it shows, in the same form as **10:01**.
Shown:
**12:14**
